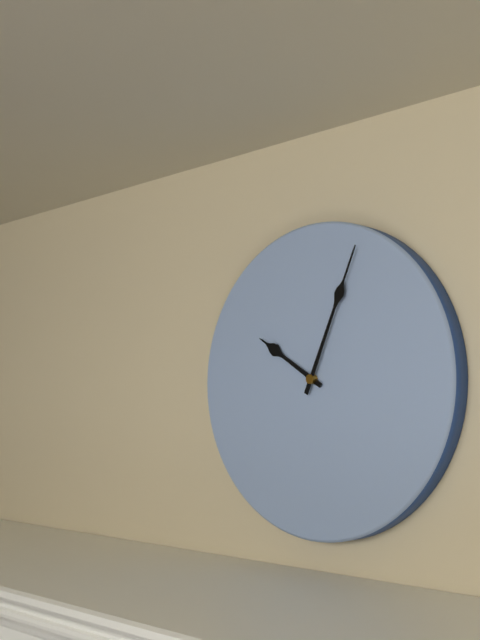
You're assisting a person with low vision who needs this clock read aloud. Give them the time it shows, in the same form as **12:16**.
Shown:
**10:04**
